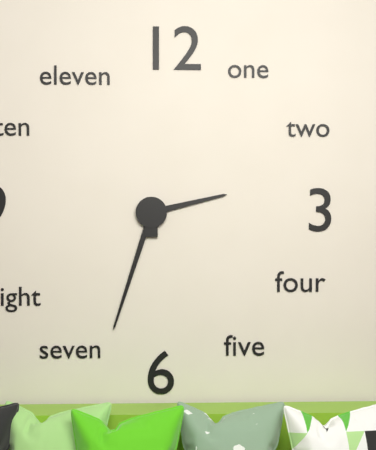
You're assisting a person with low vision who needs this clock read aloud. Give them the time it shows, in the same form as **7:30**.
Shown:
**2:33**
